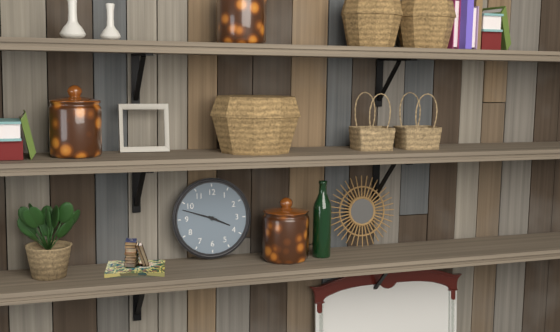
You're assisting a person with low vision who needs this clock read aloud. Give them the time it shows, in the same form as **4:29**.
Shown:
**3:48**
